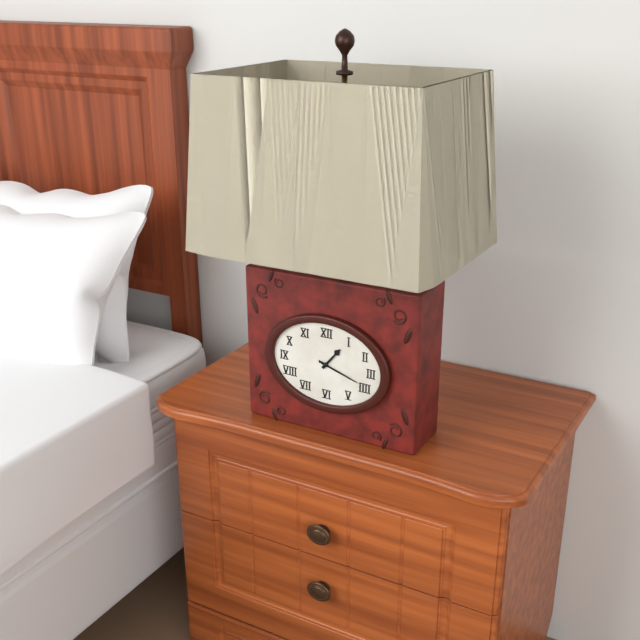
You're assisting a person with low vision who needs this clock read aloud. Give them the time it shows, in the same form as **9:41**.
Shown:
**1:18**
